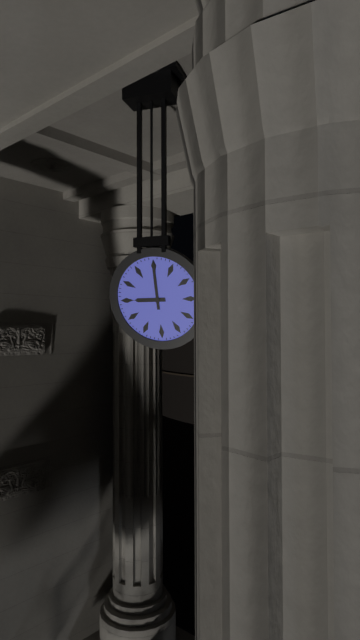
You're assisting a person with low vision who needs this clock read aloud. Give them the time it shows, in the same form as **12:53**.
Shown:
**9:00**
